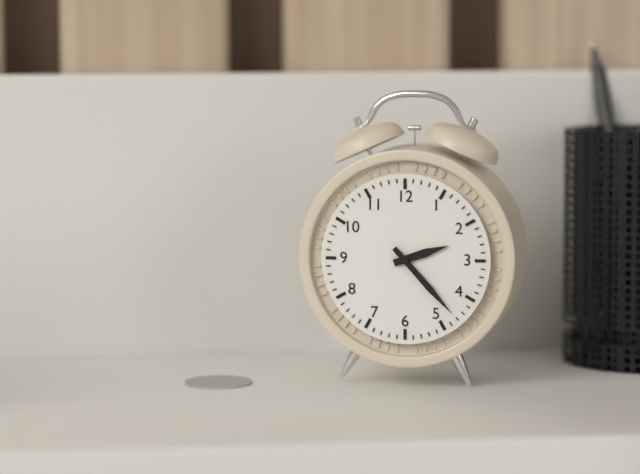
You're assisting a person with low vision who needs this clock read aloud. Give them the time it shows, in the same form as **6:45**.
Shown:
**2:23**
